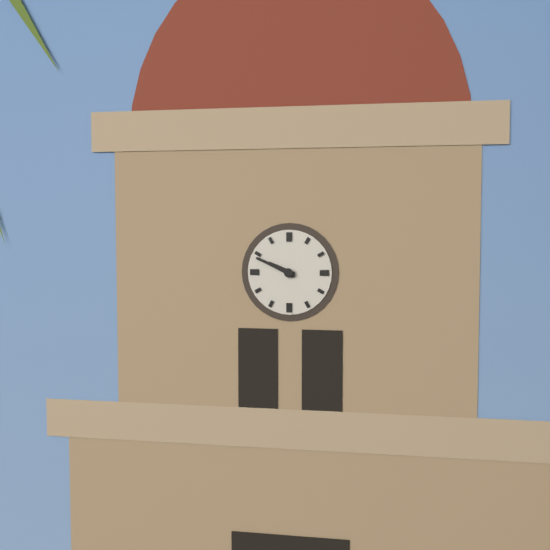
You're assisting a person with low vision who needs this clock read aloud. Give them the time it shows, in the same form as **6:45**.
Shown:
**9:49**
